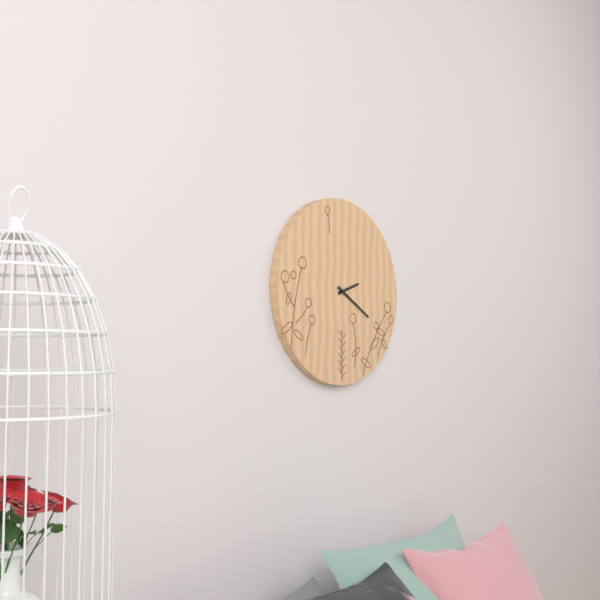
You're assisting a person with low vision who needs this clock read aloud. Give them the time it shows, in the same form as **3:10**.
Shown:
**2:20**
